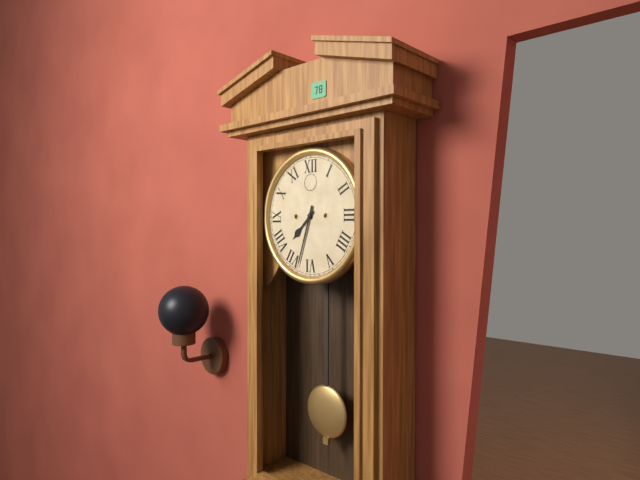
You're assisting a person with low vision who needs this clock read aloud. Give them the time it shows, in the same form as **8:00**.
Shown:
**7:33**
